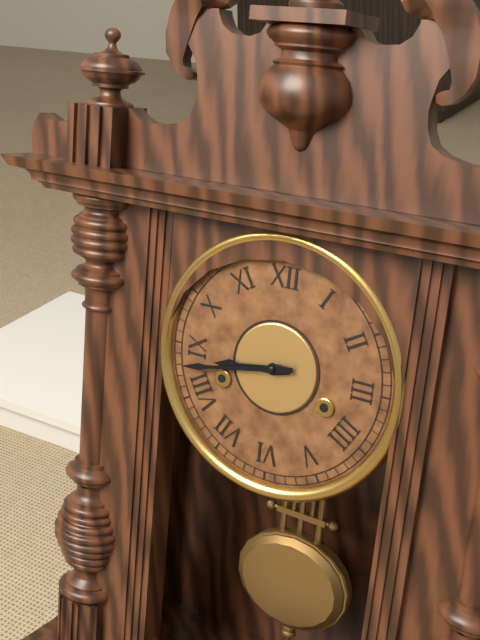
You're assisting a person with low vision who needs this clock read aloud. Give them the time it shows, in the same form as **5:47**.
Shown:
**8:43**
